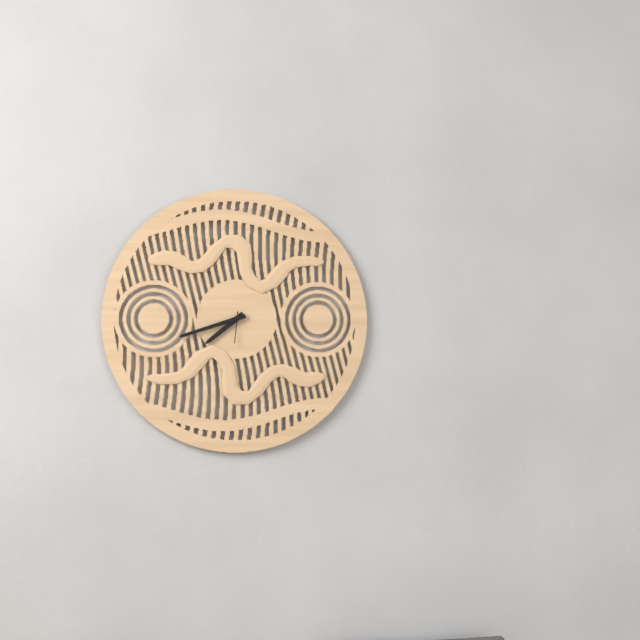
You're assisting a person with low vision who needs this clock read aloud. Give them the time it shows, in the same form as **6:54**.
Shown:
**7:42**
